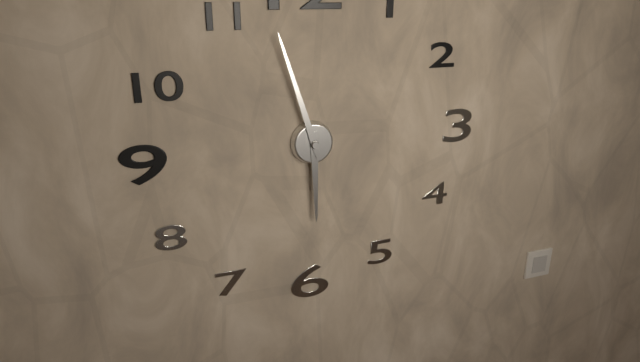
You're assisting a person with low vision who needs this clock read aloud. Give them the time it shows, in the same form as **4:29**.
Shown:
**5:57**
